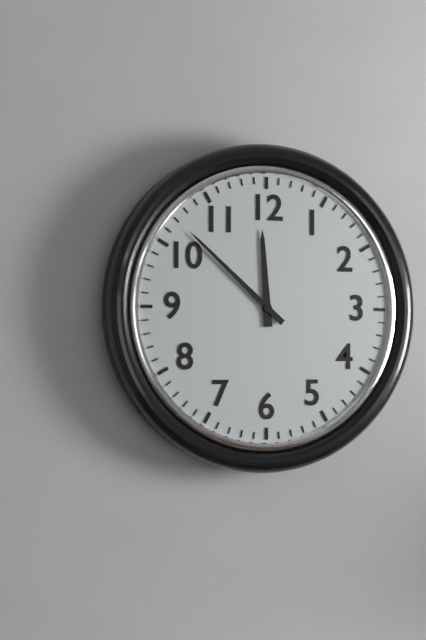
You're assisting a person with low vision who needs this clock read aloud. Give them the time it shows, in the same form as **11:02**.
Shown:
**11:52**
